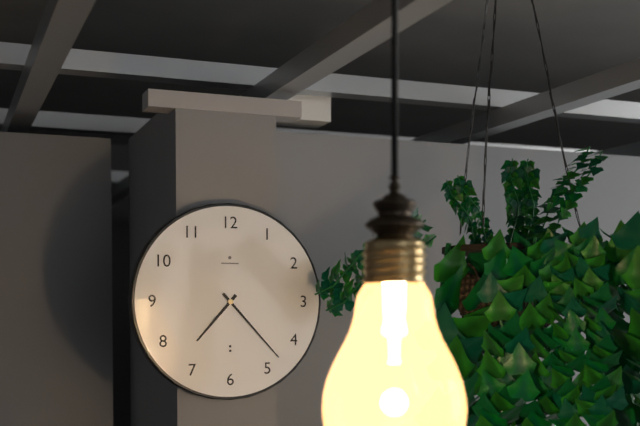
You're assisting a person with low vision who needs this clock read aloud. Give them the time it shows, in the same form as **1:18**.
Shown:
**7:23**
